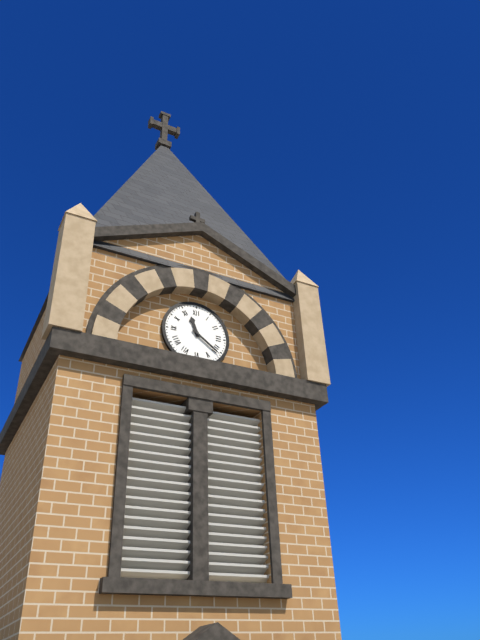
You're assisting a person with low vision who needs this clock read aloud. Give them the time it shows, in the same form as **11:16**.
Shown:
**11:21**
